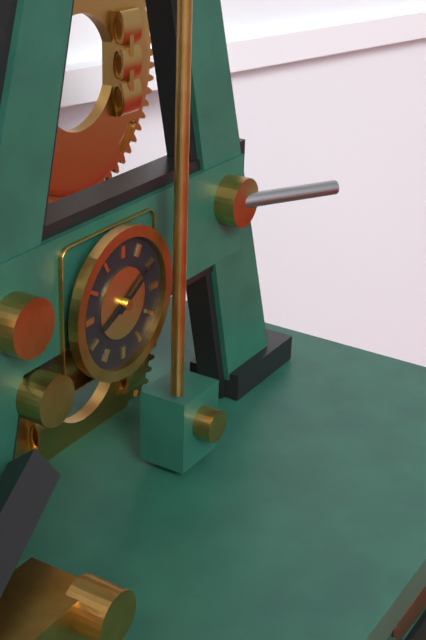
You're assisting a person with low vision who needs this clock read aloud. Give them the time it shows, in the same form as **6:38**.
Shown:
**8:10**
